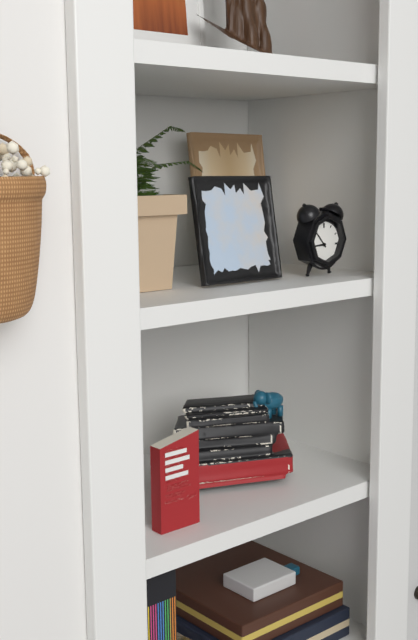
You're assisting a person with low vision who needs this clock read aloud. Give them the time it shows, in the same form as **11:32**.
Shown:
**8:53**
